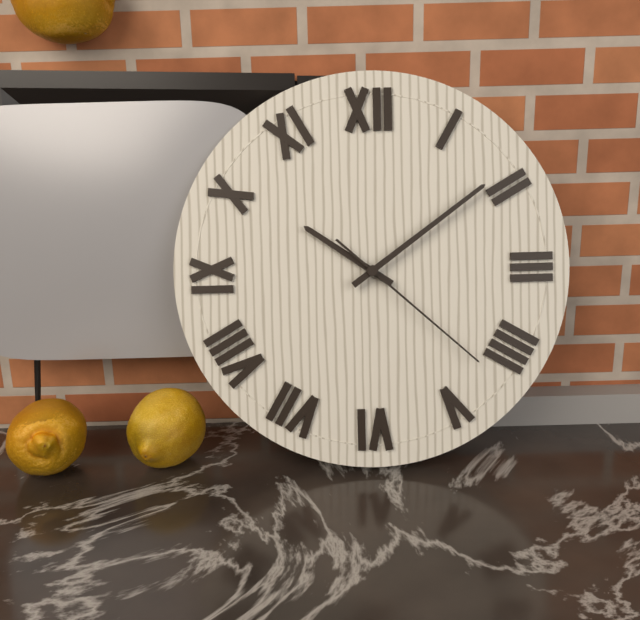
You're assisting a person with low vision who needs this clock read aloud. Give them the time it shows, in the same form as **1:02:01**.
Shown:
**10:09:22**
